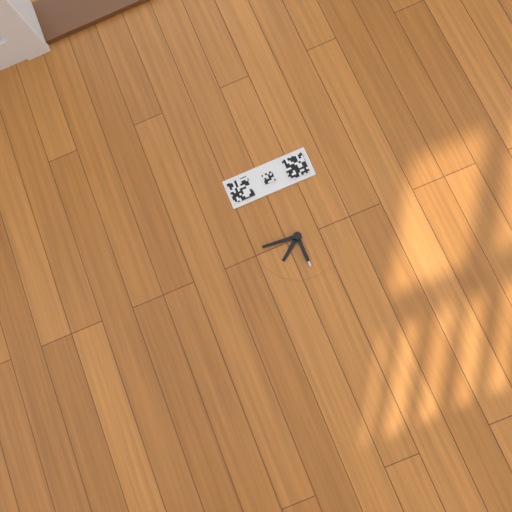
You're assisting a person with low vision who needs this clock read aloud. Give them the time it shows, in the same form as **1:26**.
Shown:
**7:46**
